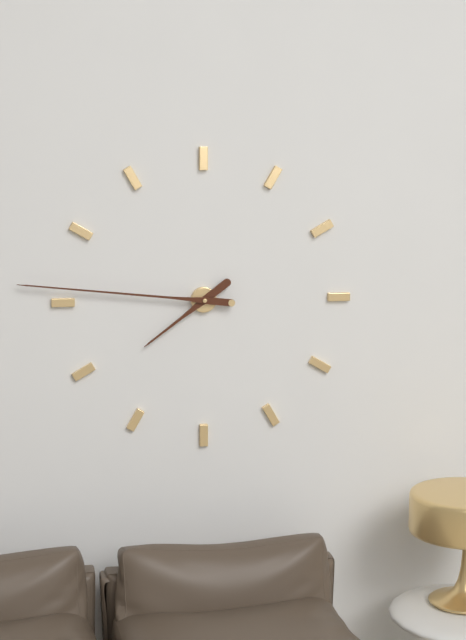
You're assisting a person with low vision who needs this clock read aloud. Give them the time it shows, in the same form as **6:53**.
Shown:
**7:46**
